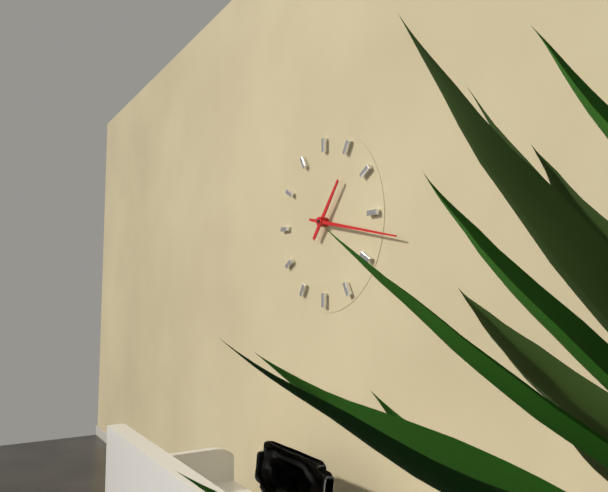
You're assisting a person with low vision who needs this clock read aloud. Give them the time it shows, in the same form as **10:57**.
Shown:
**1:17**
